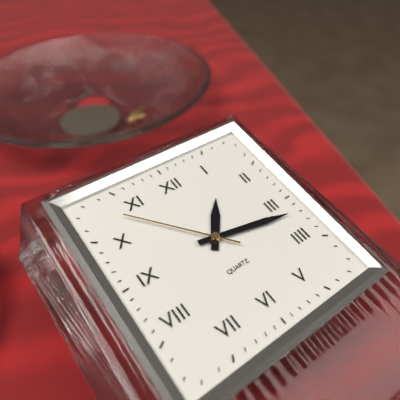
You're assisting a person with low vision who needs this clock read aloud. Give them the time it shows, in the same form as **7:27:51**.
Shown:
**1:17:53**
